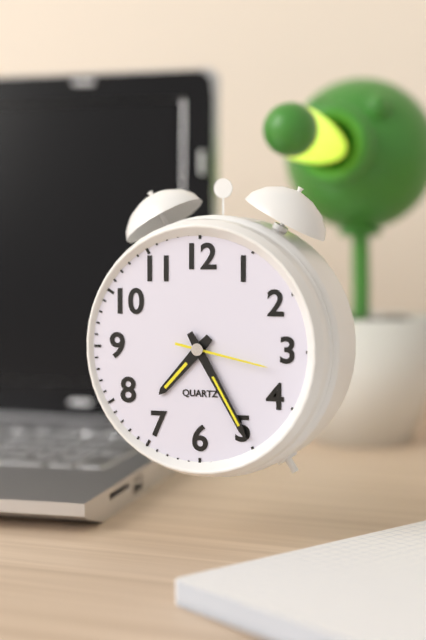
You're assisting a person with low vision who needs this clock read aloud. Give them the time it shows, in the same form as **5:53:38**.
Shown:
**7:25:17**
